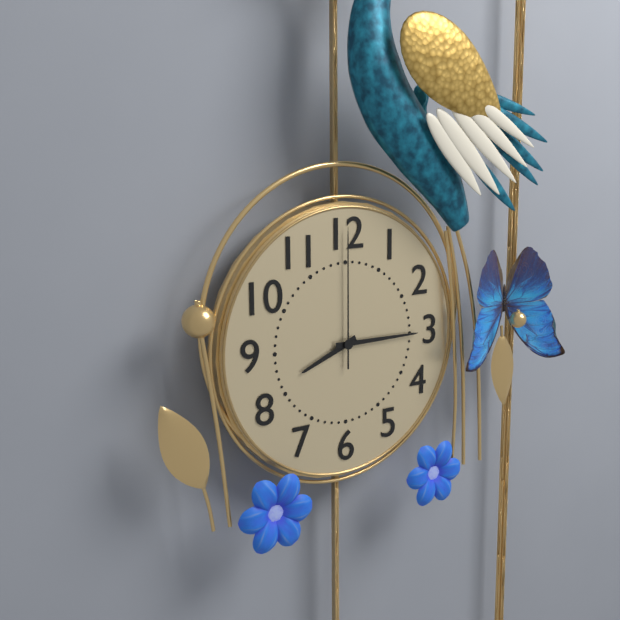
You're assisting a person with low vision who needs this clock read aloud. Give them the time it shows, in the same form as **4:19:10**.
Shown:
**8:15:00**
